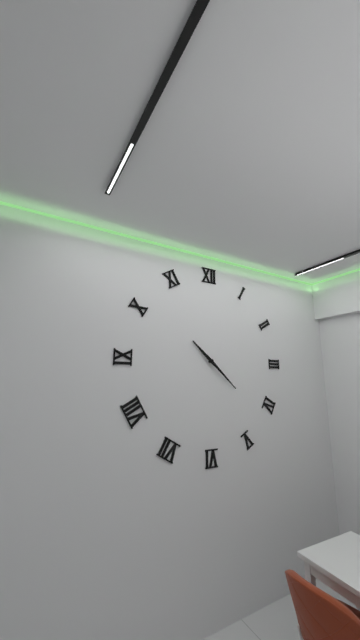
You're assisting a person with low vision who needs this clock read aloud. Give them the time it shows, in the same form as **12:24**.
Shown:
**10:22**
